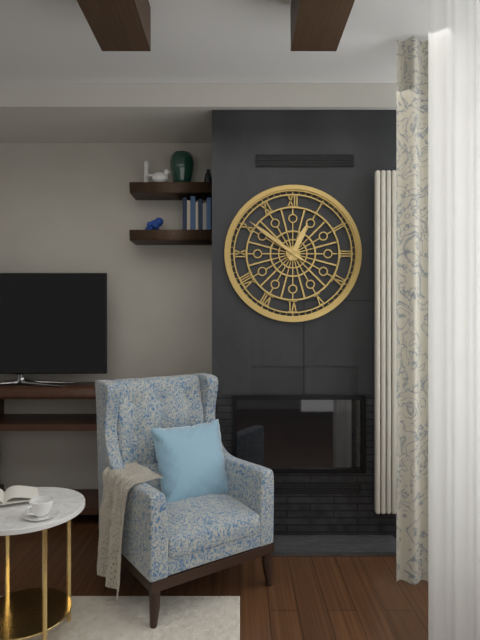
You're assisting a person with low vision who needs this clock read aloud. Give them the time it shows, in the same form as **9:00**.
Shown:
**12:51**
